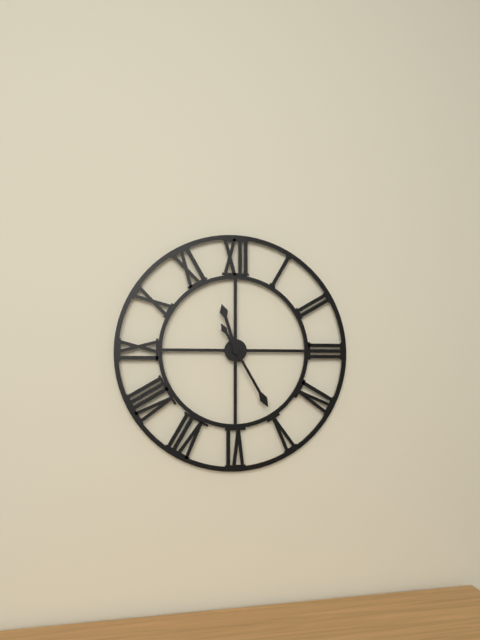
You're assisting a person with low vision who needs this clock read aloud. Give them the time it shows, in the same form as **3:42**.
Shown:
**11:25**
